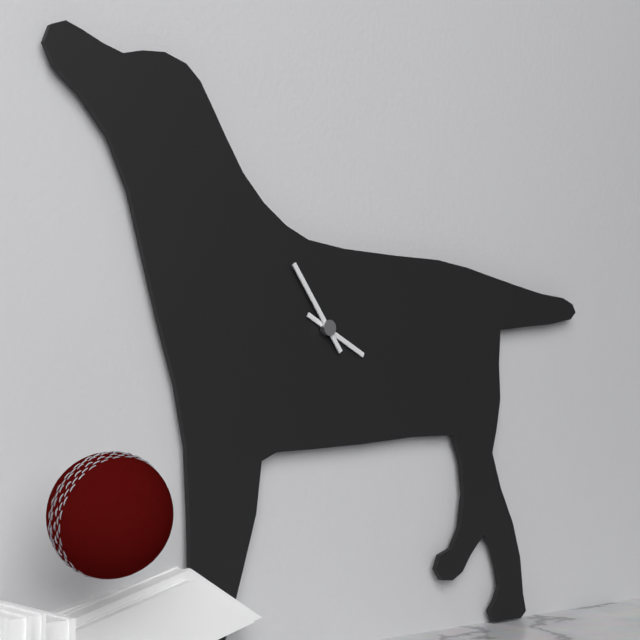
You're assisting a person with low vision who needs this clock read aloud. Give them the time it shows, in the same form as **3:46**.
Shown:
**3:54**
